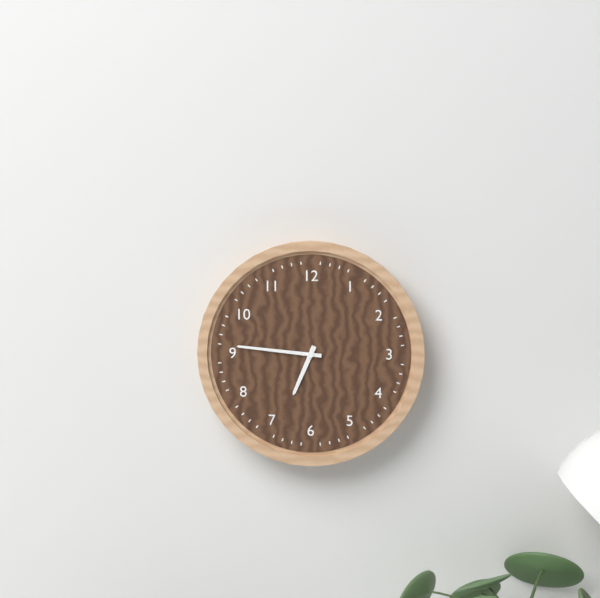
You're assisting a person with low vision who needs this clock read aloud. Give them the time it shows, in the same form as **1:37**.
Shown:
**6:46**
